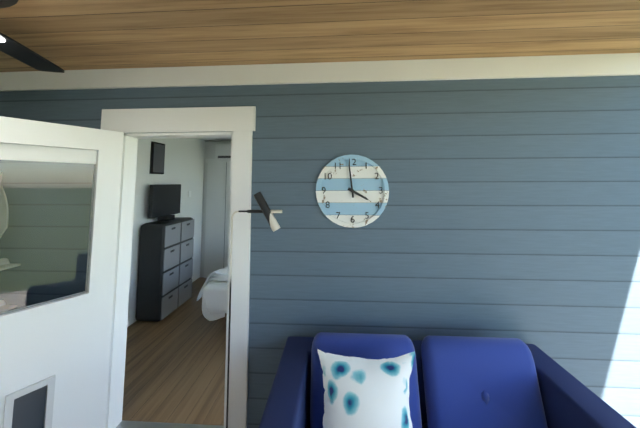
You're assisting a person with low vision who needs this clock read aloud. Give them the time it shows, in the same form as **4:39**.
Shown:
**3:59**
